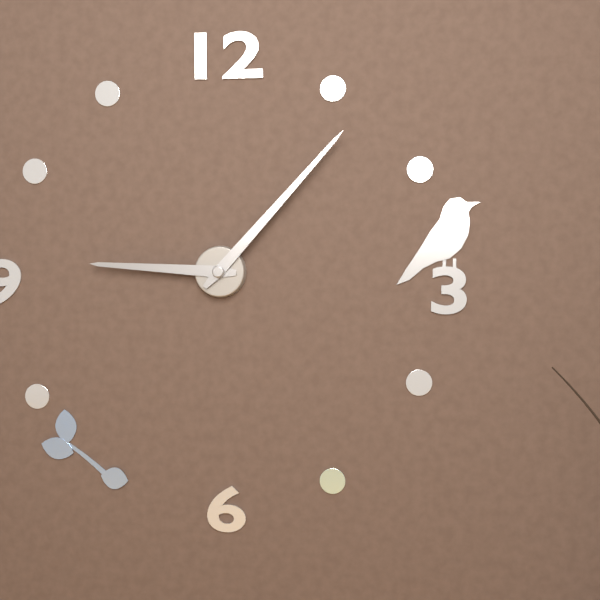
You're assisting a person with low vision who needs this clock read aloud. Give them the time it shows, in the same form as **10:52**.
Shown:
**9:07**
